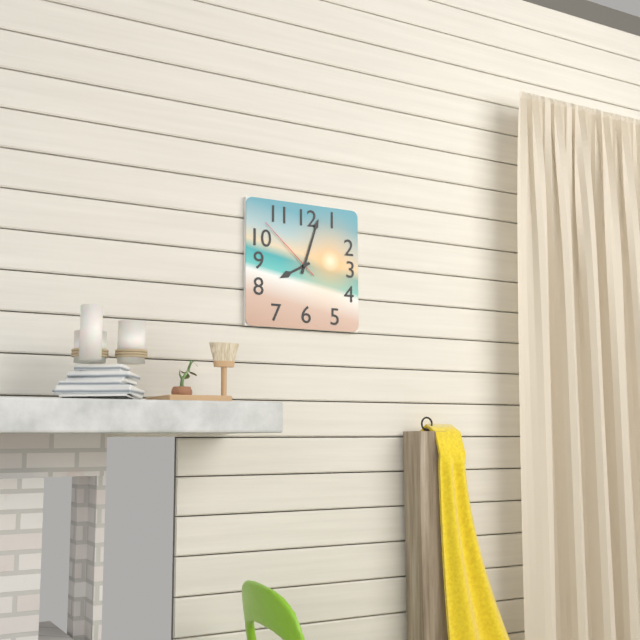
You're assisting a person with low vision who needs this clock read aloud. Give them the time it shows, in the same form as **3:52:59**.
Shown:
**8:03:52**
